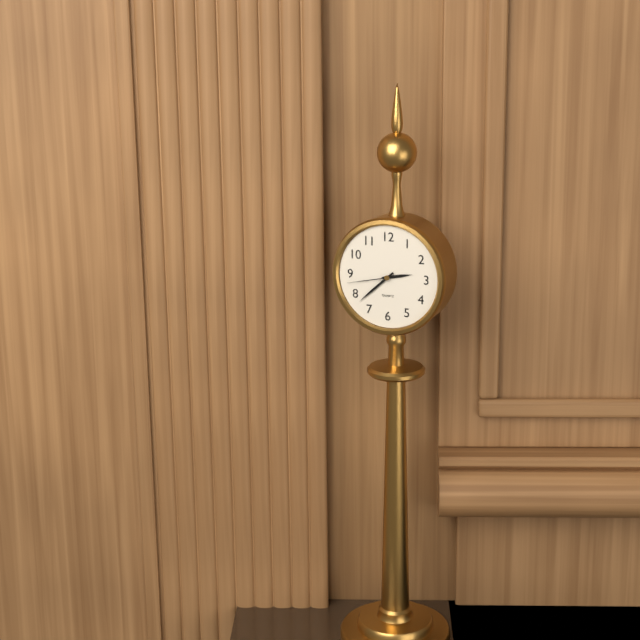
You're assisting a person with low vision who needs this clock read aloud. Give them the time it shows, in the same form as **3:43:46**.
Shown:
**2:38:43**
